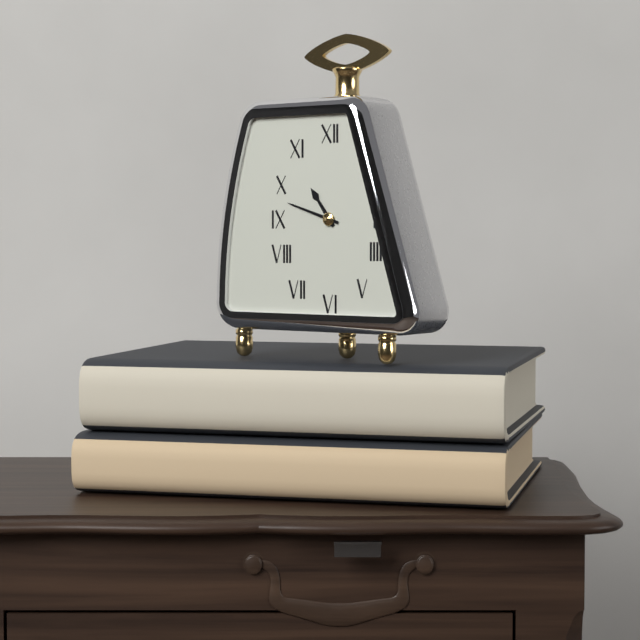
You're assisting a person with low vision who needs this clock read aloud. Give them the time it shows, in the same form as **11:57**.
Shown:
**10:48**
